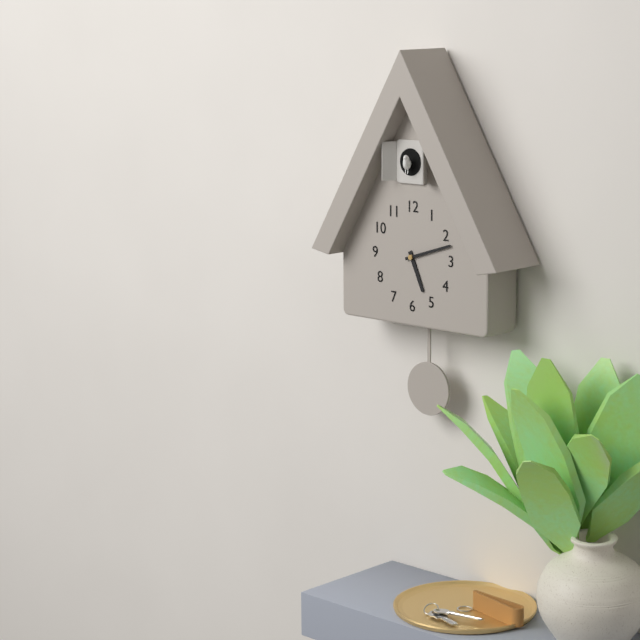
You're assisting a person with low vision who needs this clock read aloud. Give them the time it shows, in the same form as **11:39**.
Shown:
**5:12**
